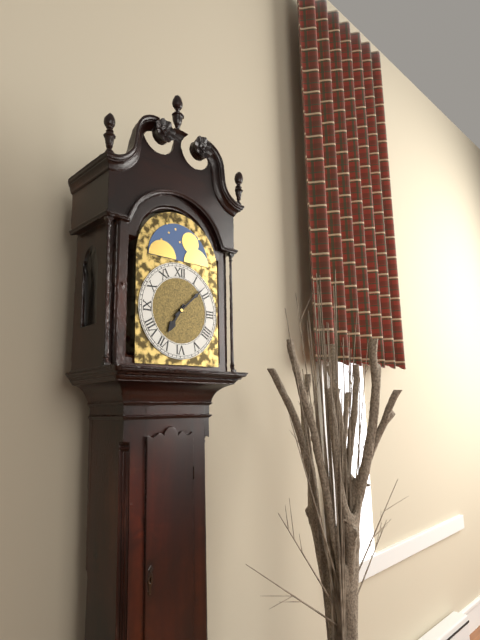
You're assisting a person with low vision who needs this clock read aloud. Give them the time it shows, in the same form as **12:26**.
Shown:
**7:08**
